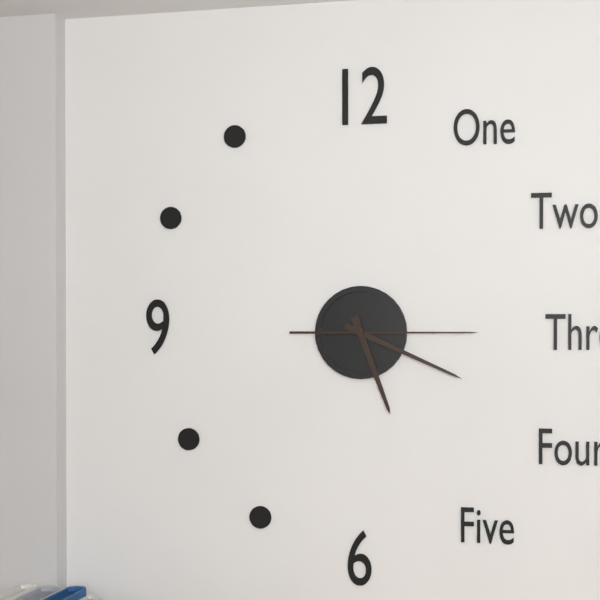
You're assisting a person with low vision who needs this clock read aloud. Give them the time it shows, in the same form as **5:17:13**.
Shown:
**5:19:15**
